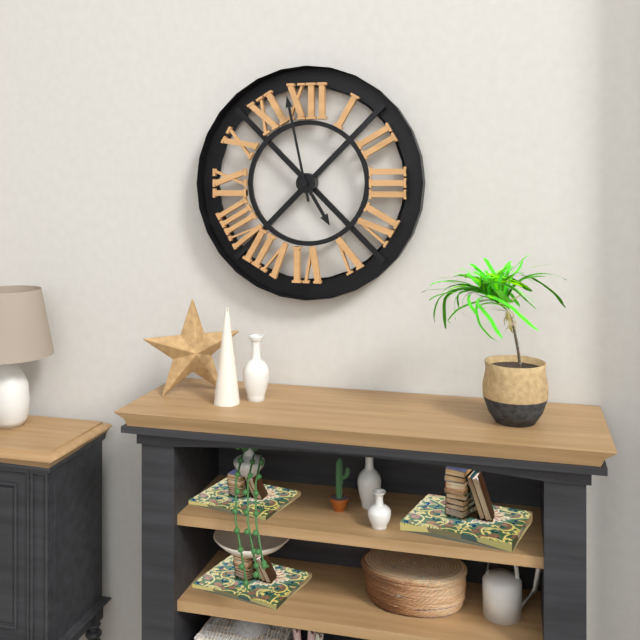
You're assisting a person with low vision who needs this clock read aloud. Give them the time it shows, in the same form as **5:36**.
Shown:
**4:58**
